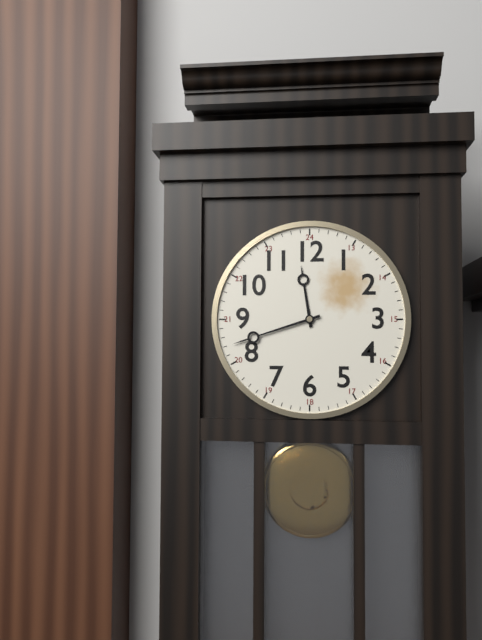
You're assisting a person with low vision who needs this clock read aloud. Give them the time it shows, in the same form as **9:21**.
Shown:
**11:42**
